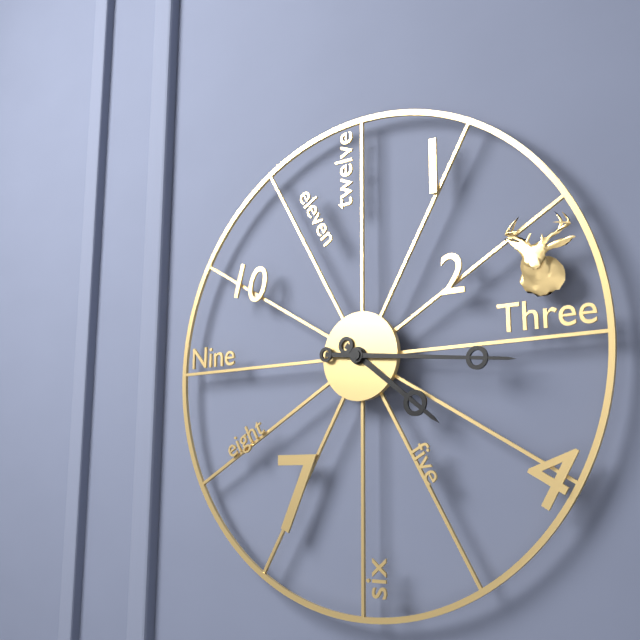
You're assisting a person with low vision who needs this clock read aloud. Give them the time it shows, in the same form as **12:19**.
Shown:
**4:16**
